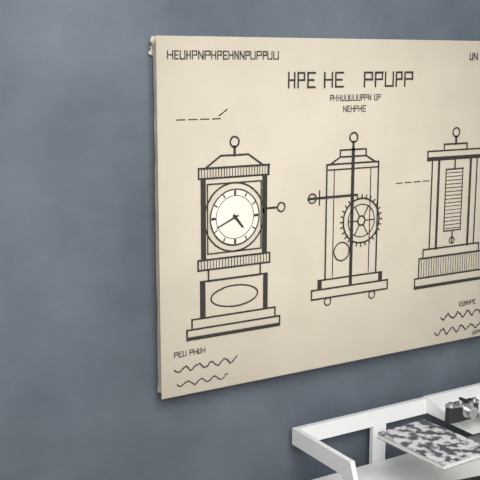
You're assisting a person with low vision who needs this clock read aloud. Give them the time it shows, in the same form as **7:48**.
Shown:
**4:41**
